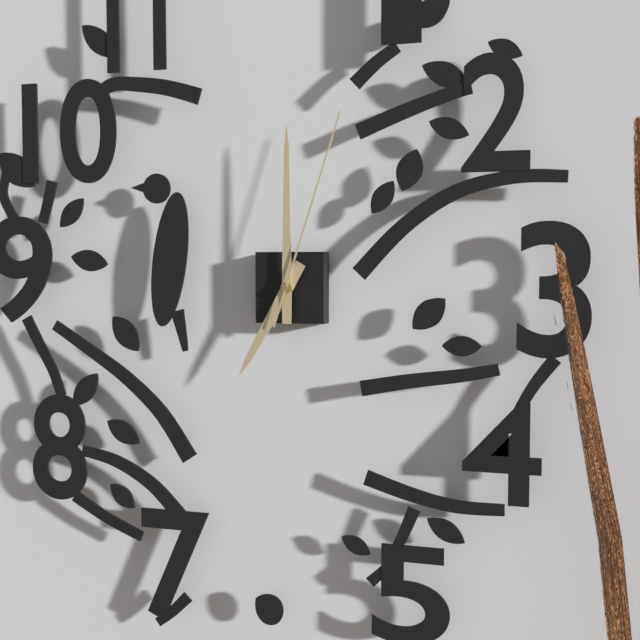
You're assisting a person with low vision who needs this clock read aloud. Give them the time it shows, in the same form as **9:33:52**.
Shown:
**7:00:03**
